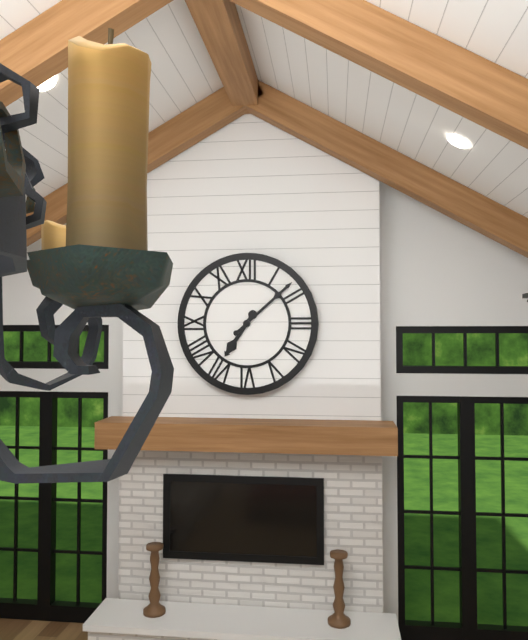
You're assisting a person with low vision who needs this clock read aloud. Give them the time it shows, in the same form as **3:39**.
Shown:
**7:08**
